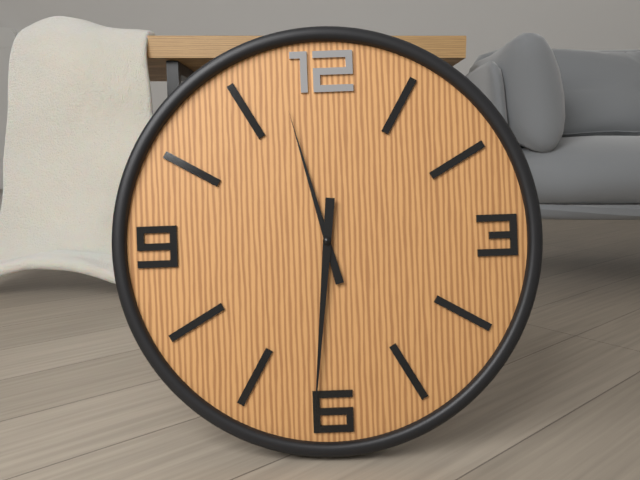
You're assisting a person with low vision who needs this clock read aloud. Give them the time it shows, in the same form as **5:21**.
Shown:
**11:31**
